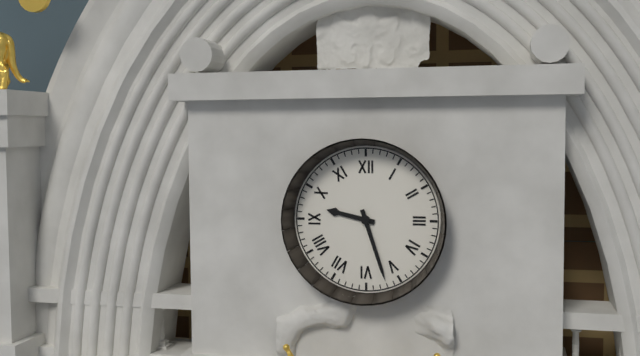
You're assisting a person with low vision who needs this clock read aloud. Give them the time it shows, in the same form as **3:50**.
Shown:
**9:27**
